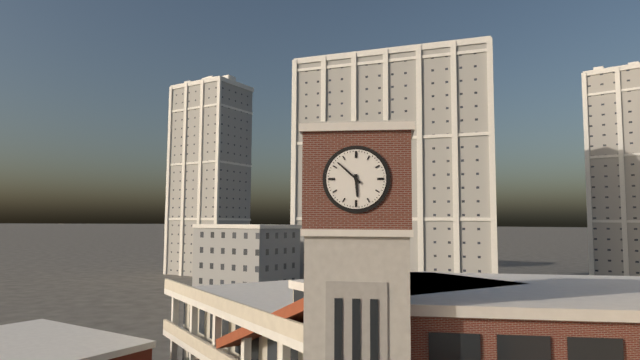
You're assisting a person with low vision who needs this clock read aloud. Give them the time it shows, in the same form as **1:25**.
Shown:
**5:52**
